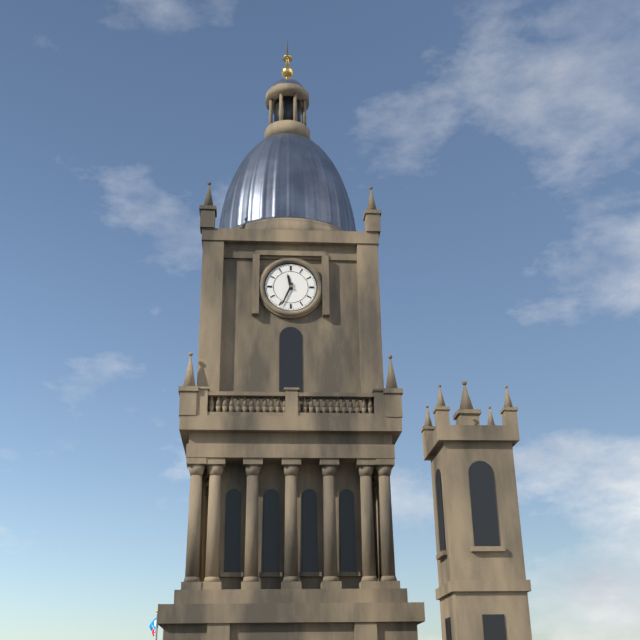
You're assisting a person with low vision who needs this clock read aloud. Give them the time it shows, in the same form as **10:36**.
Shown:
**11:34**
